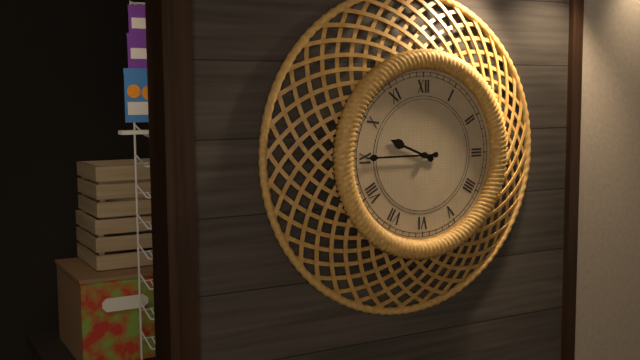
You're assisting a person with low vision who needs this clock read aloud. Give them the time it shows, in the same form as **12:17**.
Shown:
**9:45**
